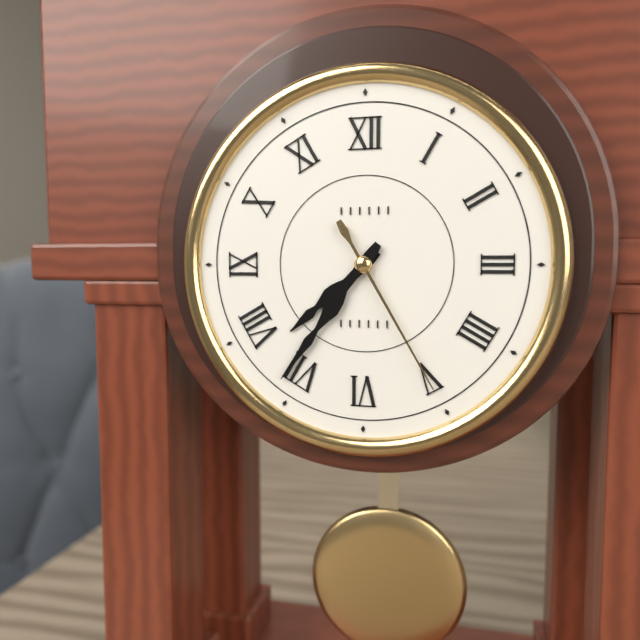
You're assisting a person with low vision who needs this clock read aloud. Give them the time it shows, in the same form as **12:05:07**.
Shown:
**7:36:25**
